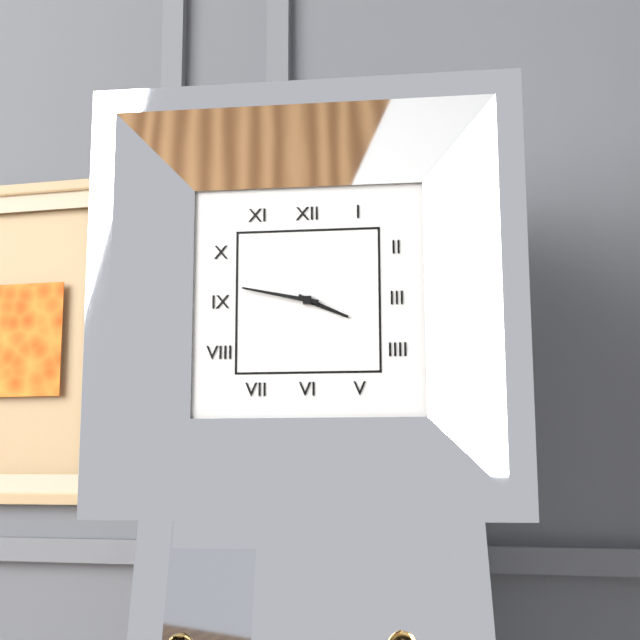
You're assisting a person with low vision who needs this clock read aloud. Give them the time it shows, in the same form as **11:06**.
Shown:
**3:47**
